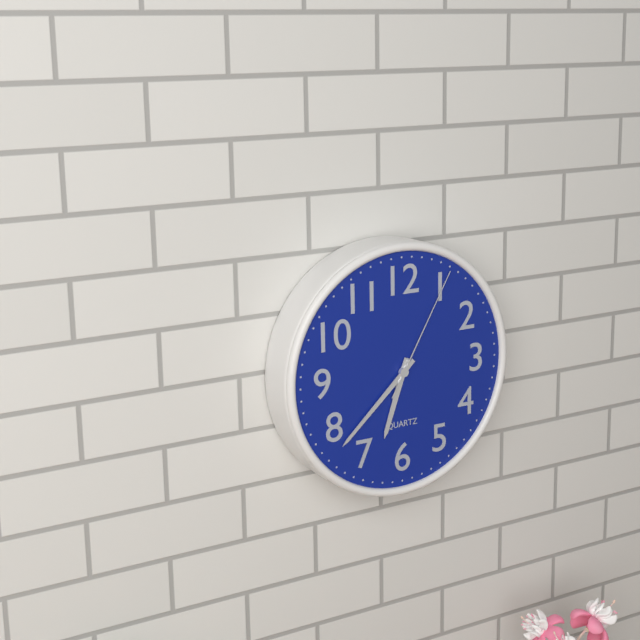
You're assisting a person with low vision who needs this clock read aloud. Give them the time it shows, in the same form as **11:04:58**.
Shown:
**6:38:05**
